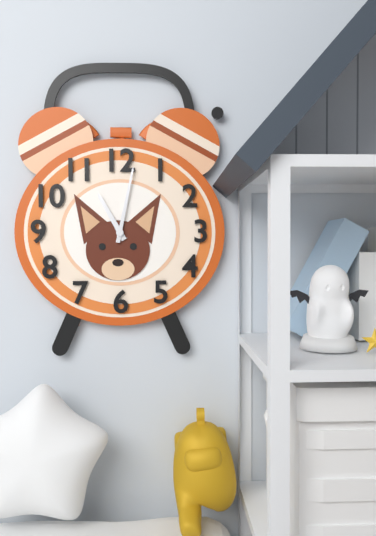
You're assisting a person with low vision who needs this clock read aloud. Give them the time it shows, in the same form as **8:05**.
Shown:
**11:02**
